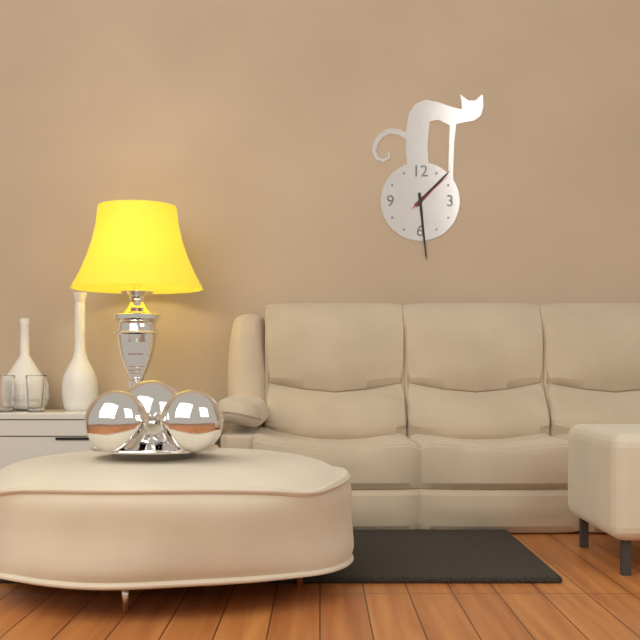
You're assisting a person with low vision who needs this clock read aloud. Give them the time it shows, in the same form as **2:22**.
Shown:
**1:29**
